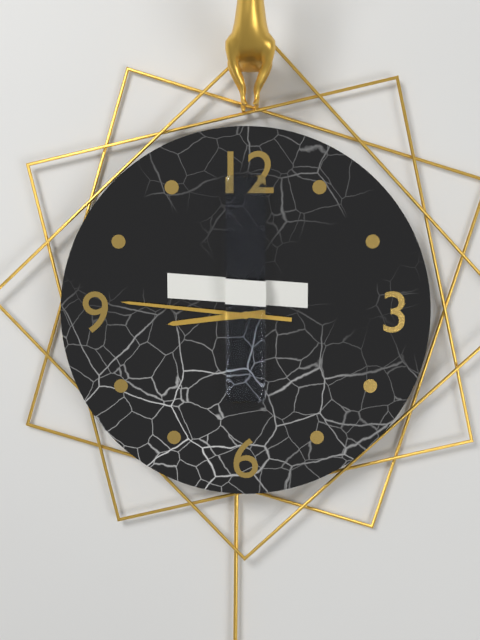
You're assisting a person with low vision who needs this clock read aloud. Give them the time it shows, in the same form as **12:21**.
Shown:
**8:46**
